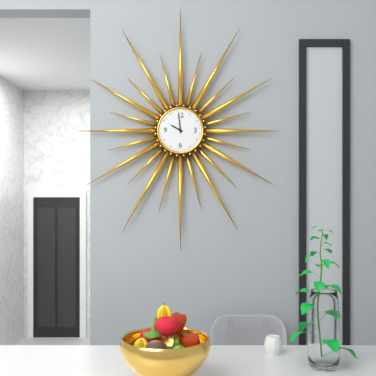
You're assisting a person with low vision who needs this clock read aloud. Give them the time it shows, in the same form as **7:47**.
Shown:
**9:59**
